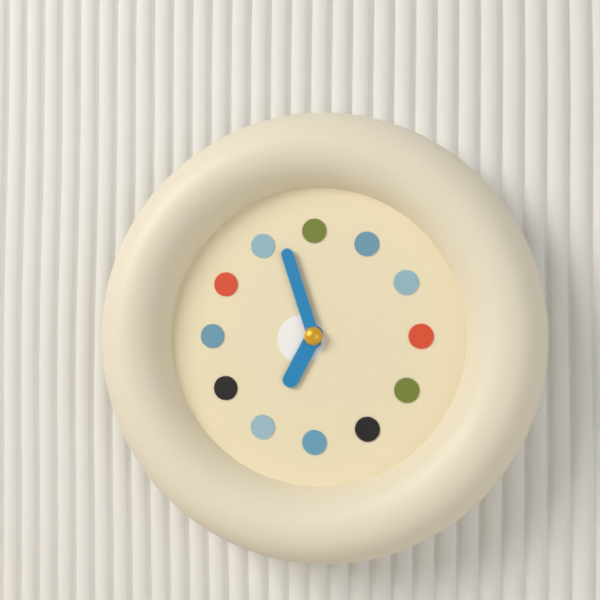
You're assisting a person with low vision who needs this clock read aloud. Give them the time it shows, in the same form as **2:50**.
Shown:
**6:57**
